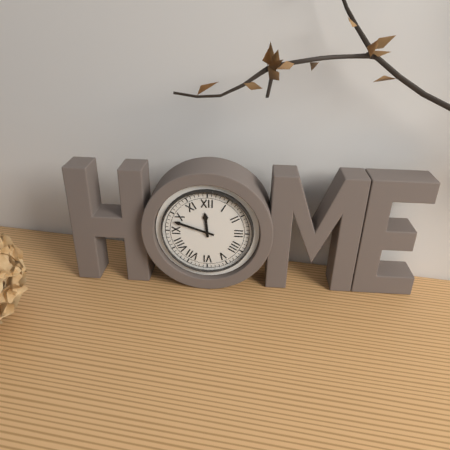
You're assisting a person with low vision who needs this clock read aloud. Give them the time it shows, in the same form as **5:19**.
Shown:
**11:48**
